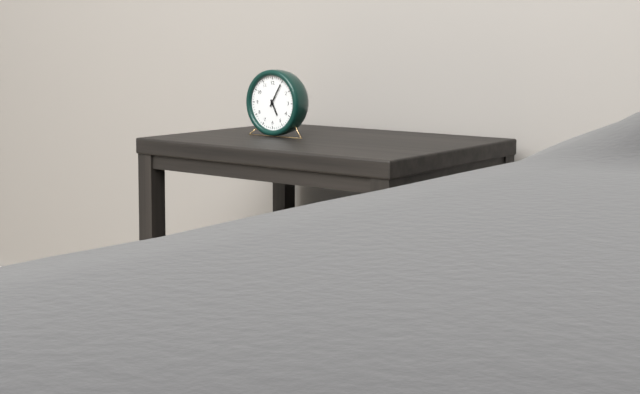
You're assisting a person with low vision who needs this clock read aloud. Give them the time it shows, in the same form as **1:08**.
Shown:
**5:05**
